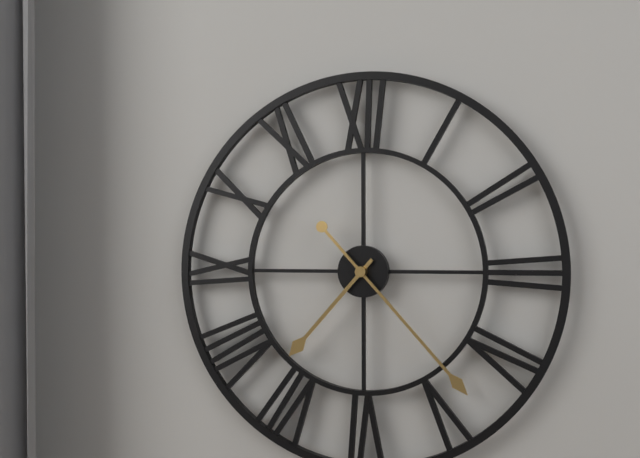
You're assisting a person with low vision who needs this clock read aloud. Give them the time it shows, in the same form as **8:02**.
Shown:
**7:23**
